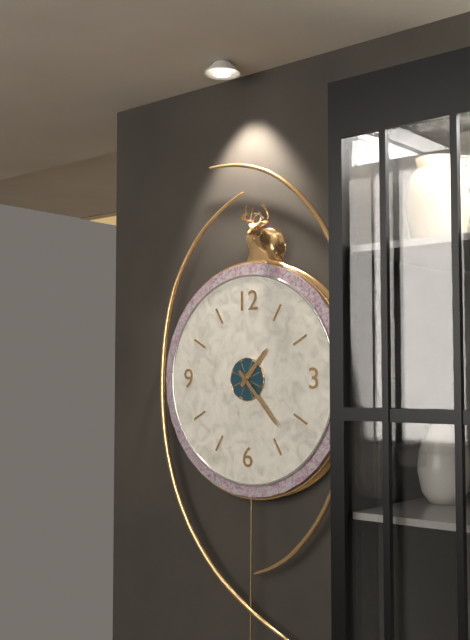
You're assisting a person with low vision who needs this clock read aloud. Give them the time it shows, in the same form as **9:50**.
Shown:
**1:23**
